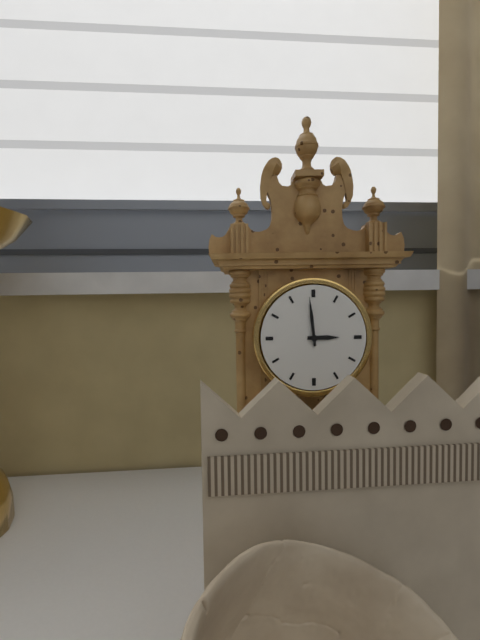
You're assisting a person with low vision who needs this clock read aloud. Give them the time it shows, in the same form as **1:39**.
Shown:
**2:59**
